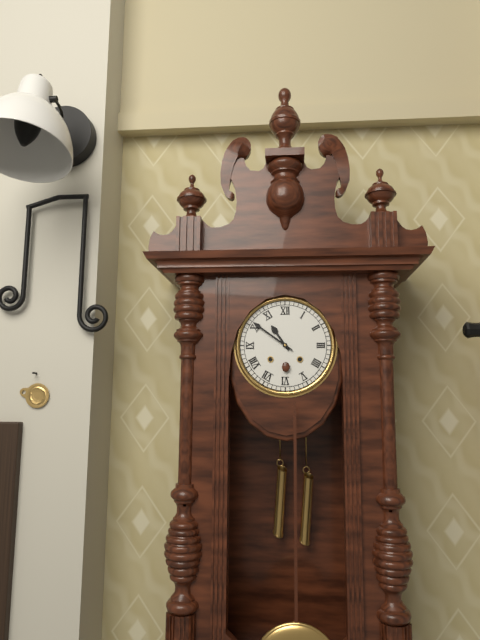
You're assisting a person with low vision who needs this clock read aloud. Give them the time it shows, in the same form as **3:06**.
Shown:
**10:51**
